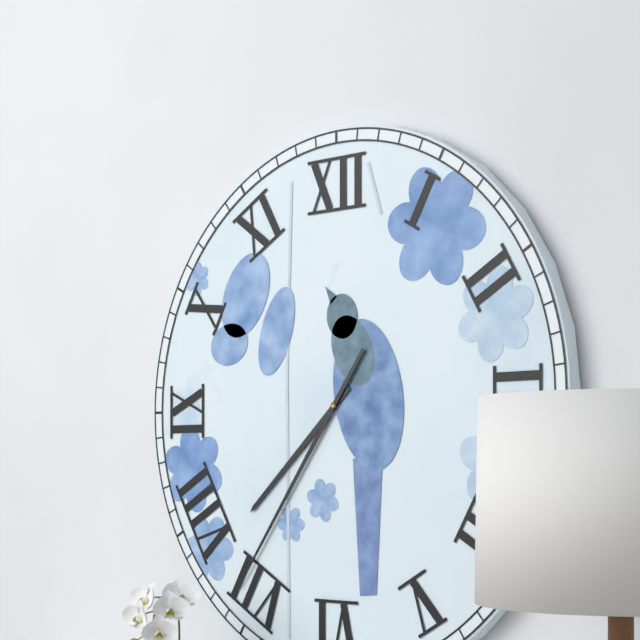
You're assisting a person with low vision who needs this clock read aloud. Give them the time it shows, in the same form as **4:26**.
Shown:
**7:36**
